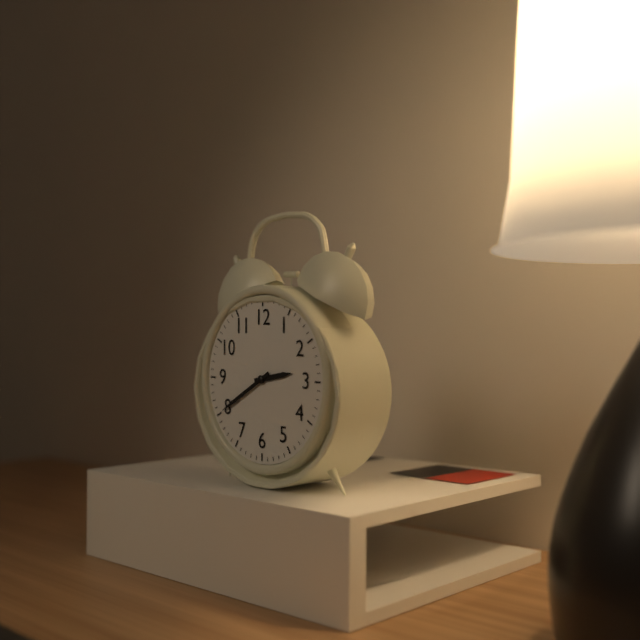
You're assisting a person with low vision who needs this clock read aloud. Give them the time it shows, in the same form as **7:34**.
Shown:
**2:40**
